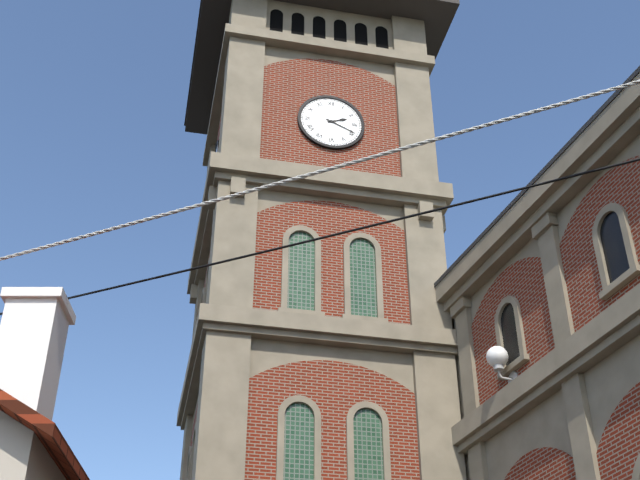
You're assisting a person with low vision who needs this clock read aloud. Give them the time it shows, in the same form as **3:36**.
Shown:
**2:19**
